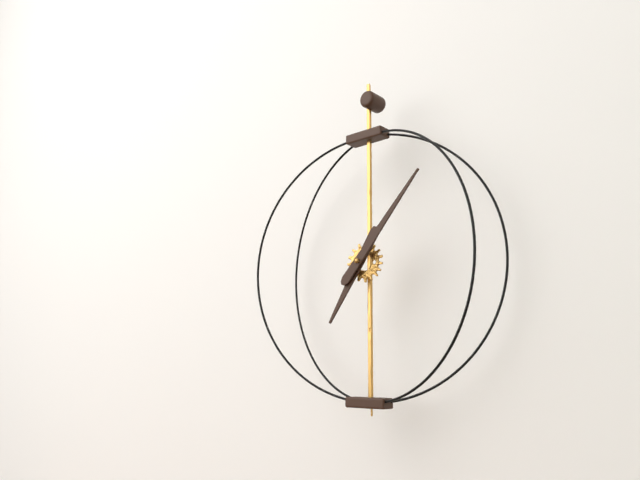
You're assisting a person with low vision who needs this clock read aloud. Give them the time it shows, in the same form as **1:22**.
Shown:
**7:07**
